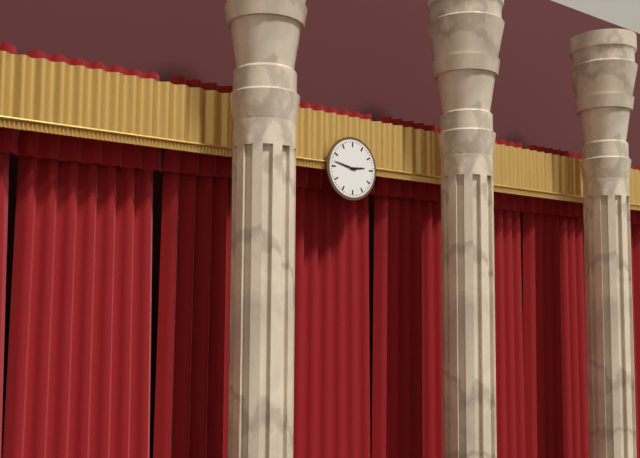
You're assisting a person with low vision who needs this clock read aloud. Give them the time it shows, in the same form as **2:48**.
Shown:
**2:47**
